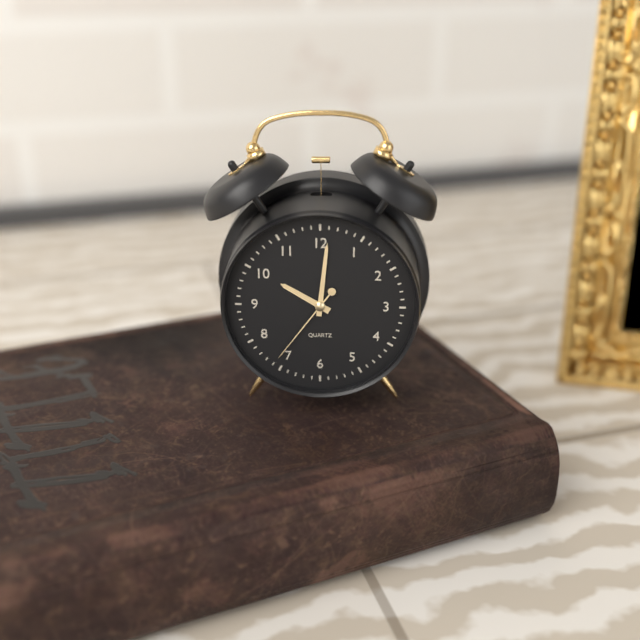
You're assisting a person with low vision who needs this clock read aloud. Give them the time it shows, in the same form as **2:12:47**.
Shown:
**10:01:36**
